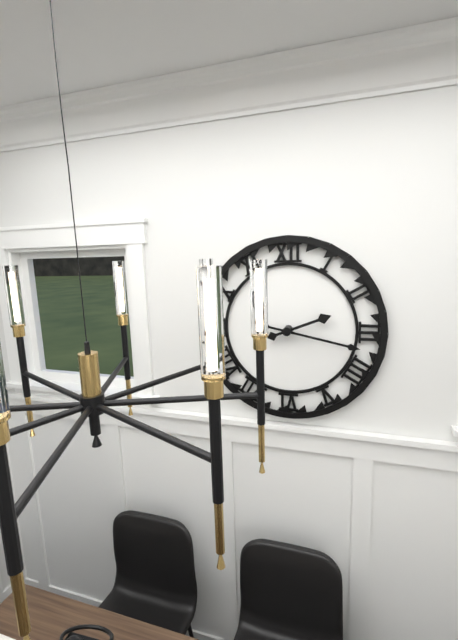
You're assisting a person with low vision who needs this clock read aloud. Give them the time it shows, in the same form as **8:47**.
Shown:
**2:17**
